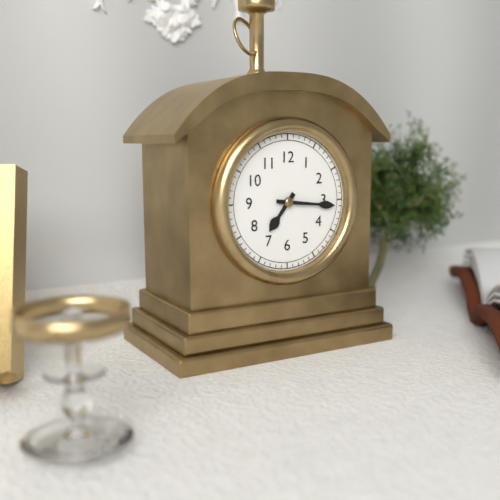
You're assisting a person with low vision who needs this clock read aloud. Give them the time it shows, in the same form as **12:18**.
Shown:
**7:16**
